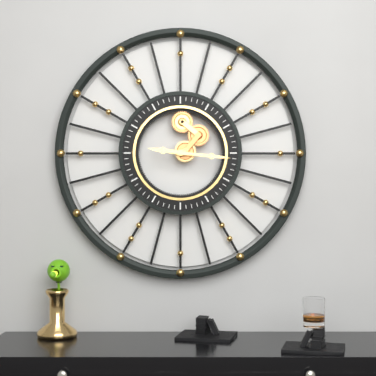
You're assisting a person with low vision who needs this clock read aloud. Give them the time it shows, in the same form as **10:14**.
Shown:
**9:16**
